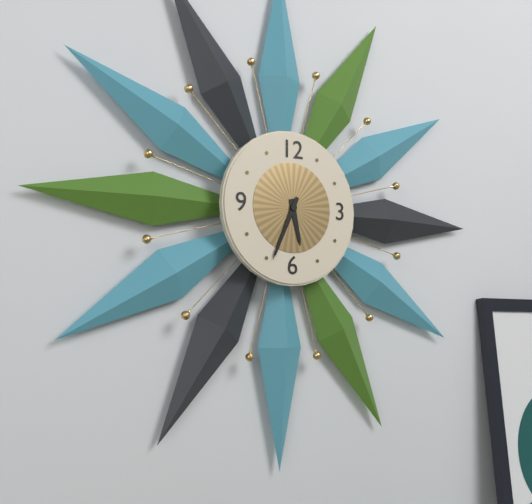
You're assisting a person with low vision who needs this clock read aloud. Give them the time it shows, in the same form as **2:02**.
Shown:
**5:34**
